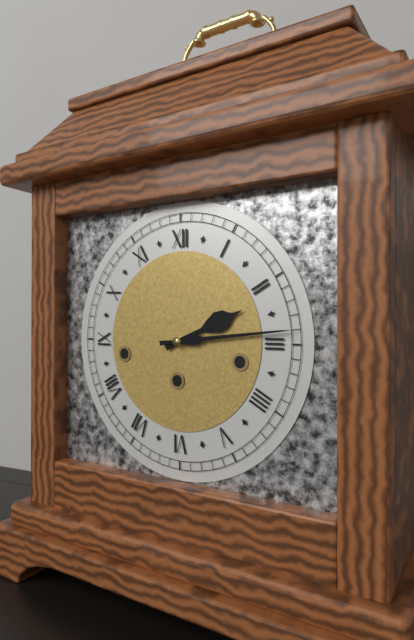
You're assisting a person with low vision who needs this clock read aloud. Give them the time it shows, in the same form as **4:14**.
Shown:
**2:14**
